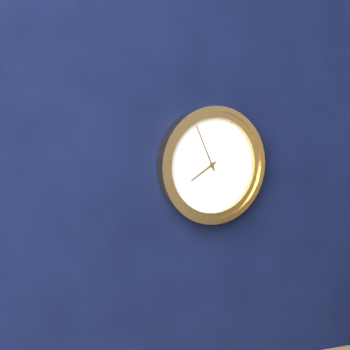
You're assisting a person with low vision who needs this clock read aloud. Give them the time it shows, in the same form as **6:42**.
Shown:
**7:56**
